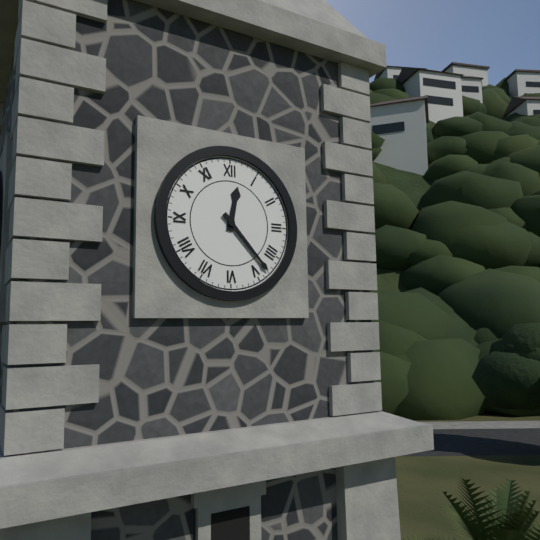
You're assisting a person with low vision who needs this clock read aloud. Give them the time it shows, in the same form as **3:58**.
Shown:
**12:23**
